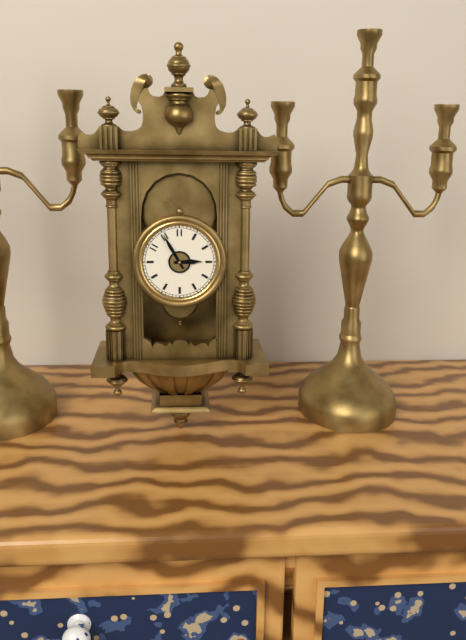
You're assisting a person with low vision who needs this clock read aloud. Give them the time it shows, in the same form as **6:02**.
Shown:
**2:55**
